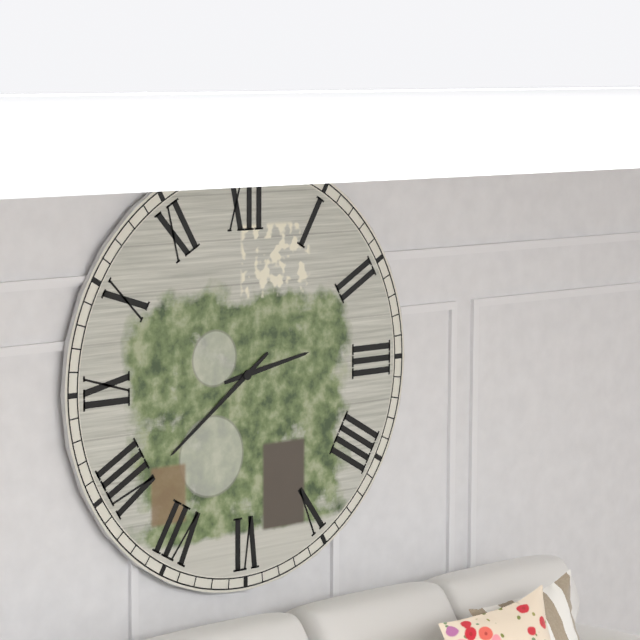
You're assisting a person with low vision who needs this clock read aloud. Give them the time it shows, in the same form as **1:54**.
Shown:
**2:39**
